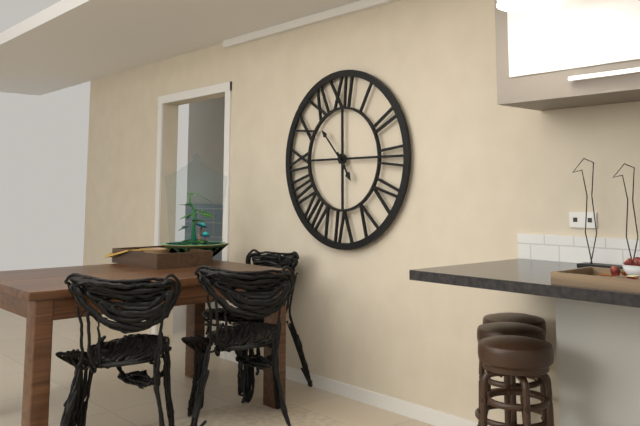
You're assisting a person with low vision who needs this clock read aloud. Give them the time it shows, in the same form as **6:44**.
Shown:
**4:53**
